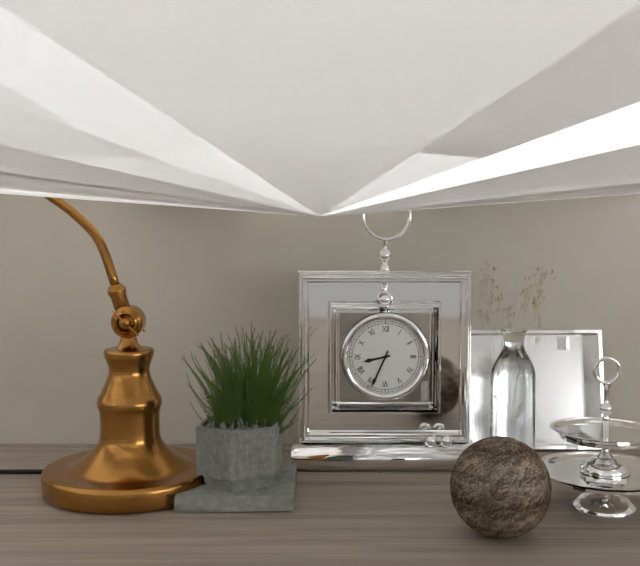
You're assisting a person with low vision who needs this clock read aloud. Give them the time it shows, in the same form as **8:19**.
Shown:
**8:34**
